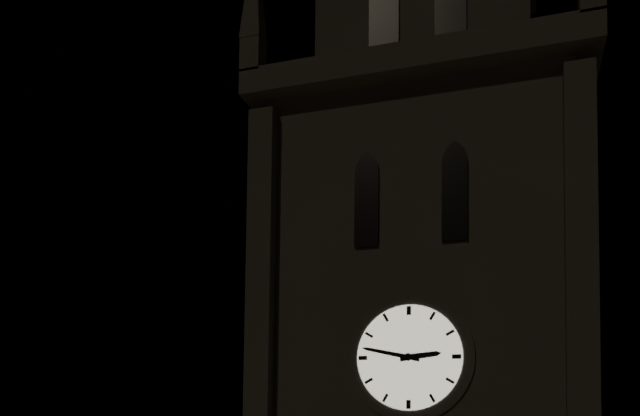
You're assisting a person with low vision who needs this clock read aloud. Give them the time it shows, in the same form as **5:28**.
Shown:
**2:47**
